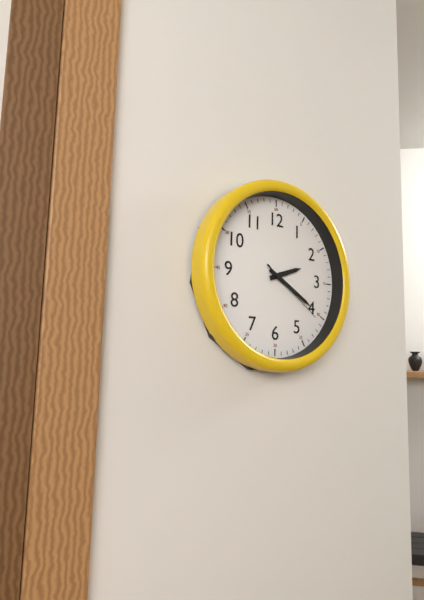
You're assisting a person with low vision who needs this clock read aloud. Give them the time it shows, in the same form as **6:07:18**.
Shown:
**2:20:21**
